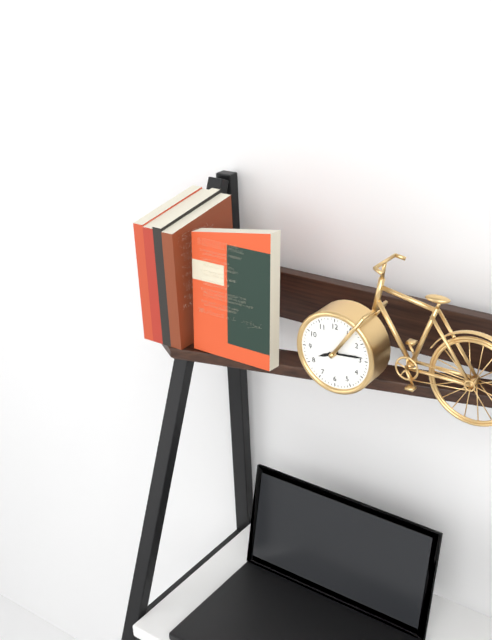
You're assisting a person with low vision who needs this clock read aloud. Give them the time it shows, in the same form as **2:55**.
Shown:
**8:14**
